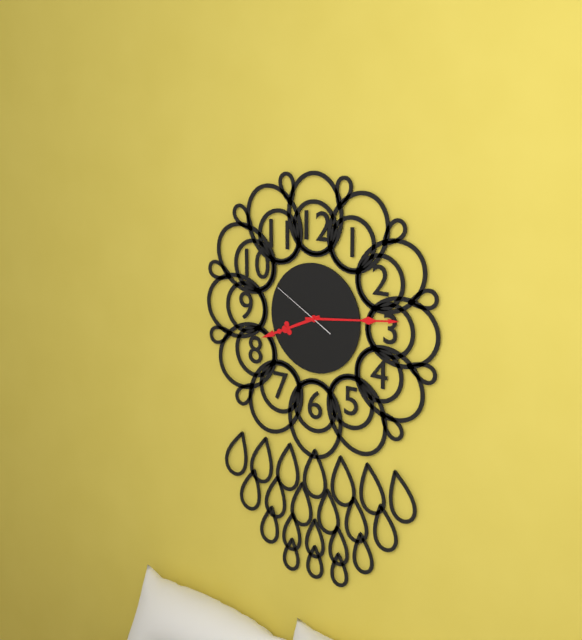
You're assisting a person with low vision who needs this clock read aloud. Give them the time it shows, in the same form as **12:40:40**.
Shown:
**8:14:50**
